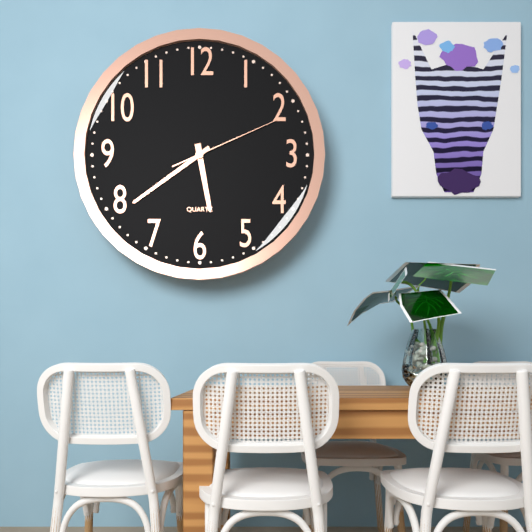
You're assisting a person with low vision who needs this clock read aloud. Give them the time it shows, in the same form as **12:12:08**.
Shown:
**5:39:11**
